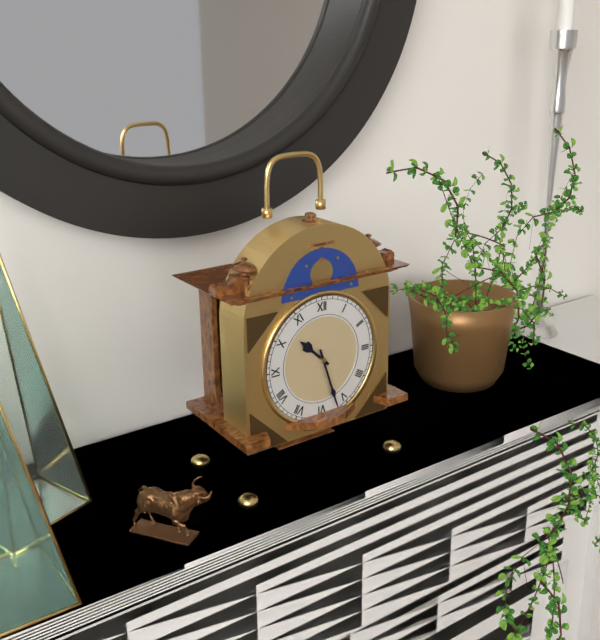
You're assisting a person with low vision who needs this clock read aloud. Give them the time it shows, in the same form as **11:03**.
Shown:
**10:27**
